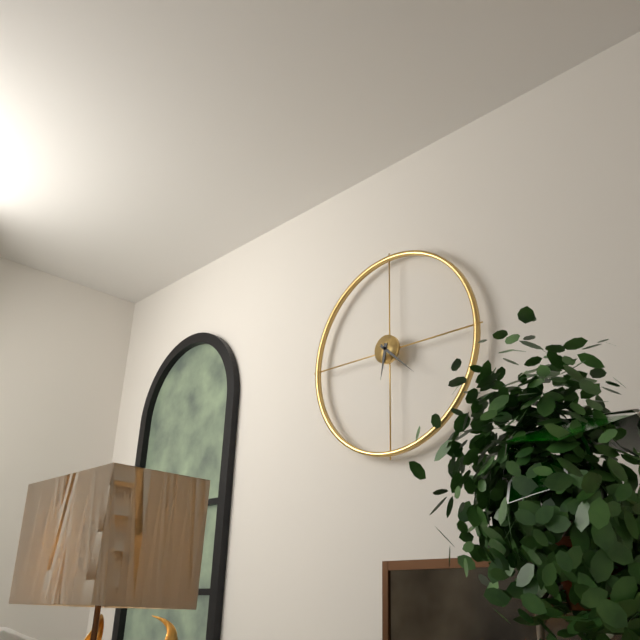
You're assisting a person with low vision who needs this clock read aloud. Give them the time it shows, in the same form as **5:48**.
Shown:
**6:22**
